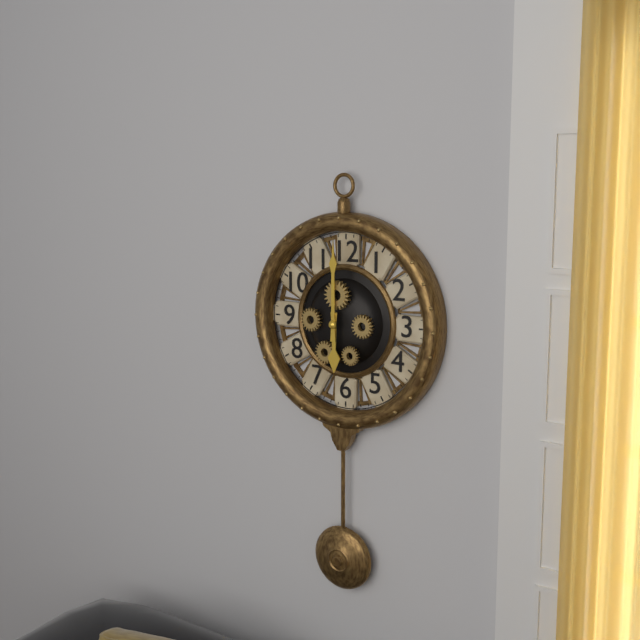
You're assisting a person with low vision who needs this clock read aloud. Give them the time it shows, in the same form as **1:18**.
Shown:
**6:00**
